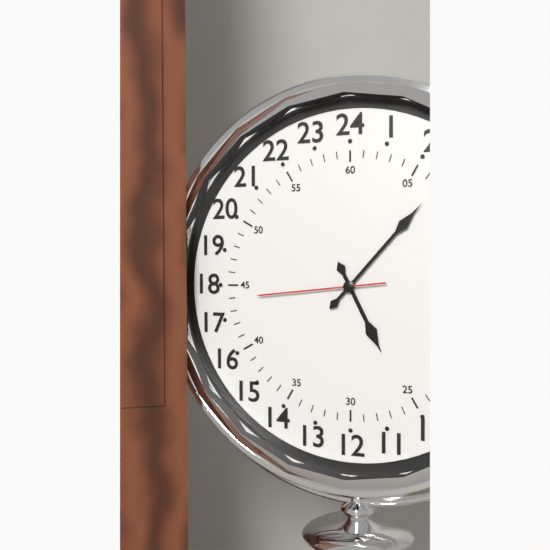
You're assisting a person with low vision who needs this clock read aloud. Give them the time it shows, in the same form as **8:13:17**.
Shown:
**5:07:44**
